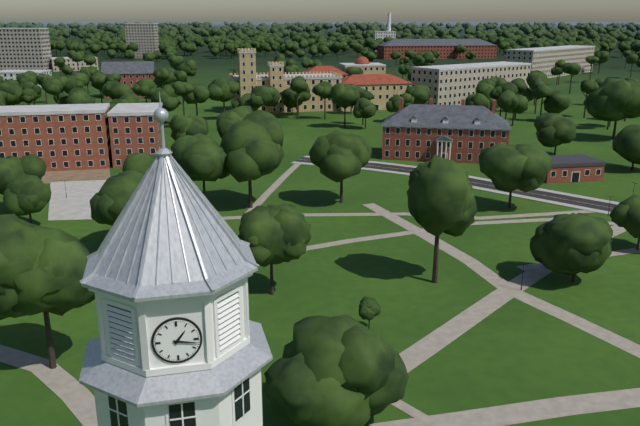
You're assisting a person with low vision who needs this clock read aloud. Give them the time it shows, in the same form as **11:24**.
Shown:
**1:17**
